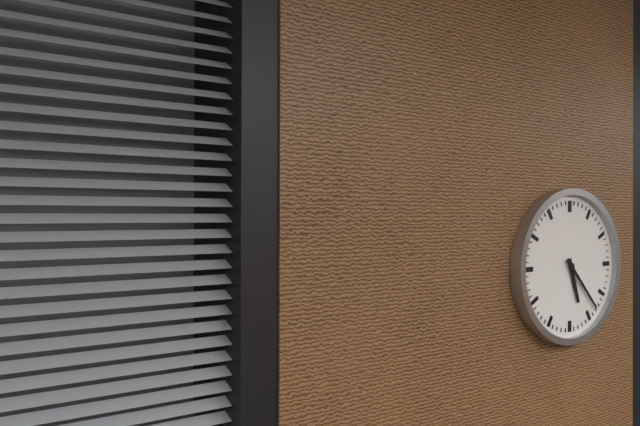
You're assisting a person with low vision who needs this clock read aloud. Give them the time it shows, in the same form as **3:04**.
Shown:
**5:23**
